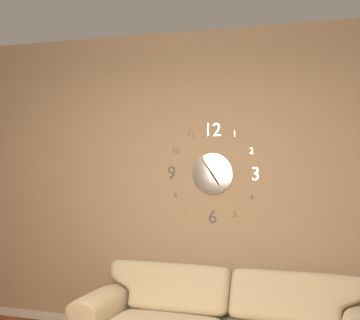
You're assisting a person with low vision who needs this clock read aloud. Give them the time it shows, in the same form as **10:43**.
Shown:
**4:54**
